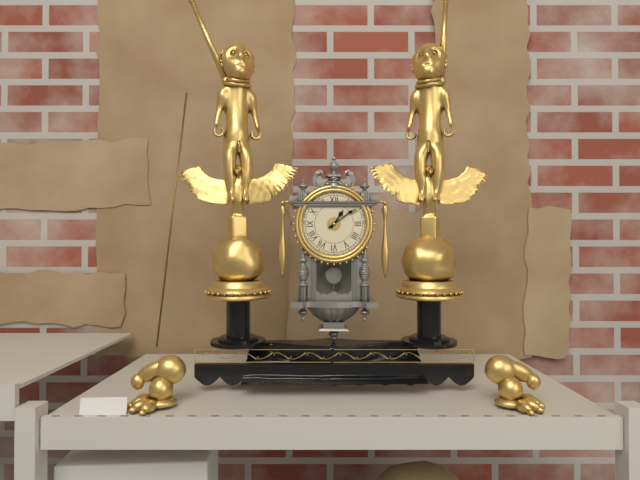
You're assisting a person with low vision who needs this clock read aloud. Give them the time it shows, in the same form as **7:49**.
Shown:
**1:09**
